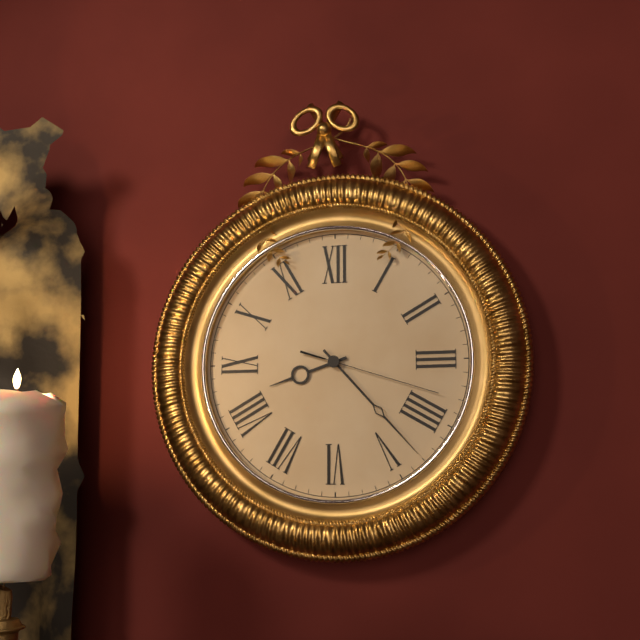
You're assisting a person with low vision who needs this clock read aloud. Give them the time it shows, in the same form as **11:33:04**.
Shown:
**8:23:18**
